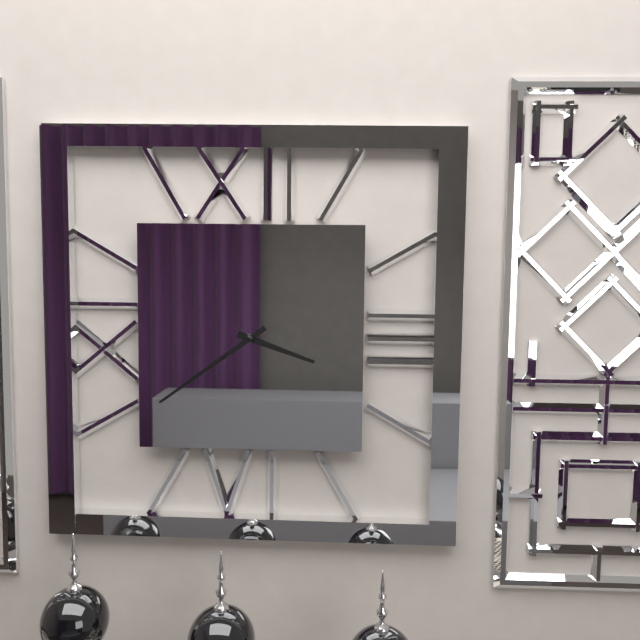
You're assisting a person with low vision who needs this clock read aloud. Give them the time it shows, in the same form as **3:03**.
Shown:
**3:39**
